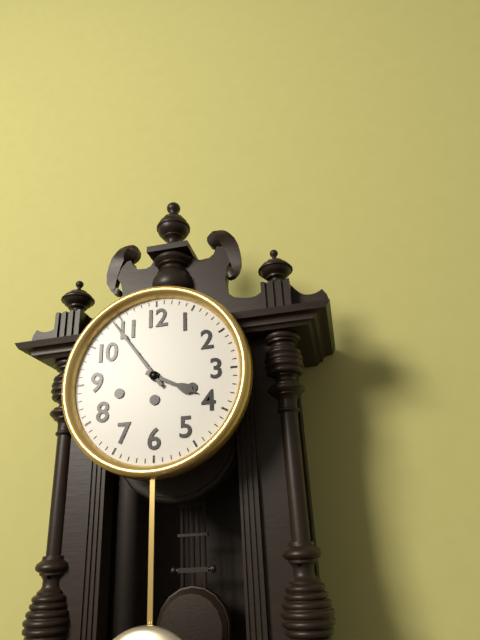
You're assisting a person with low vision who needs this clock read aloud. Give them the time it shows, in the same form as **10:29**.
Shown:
**3:54**
